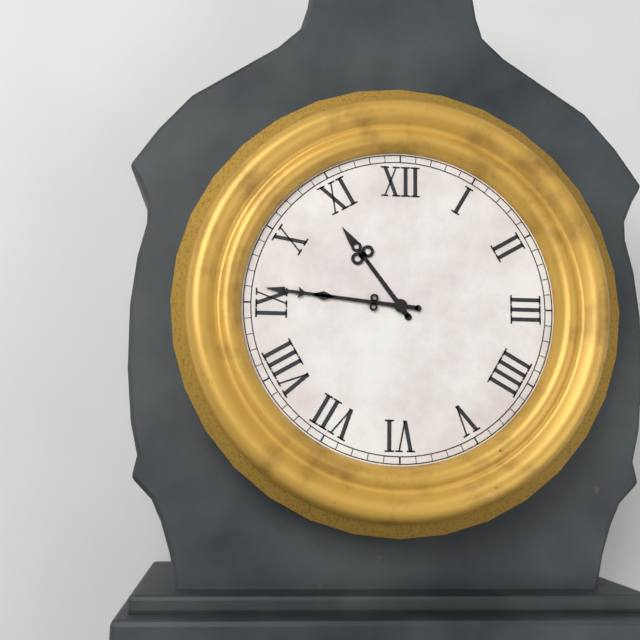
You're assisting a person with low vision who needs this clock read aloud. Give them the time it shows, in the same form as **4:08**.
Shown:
**10:46**
